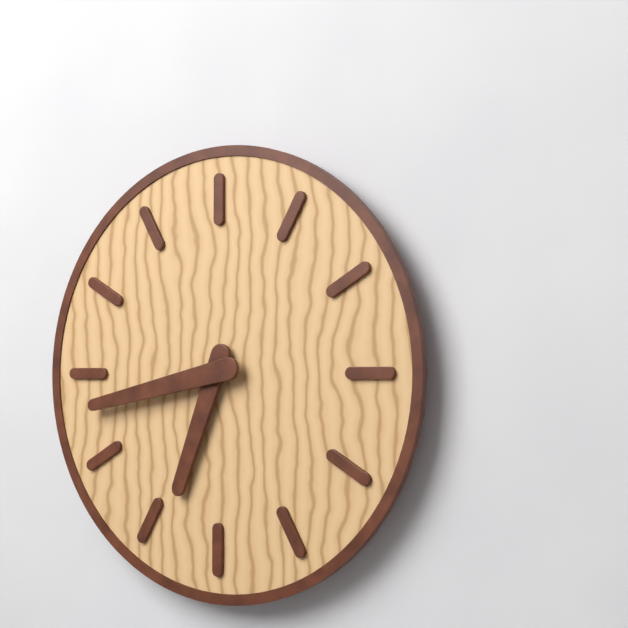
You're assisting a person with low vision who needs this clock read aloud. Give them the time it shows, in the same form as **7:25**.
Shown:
**6:43**
